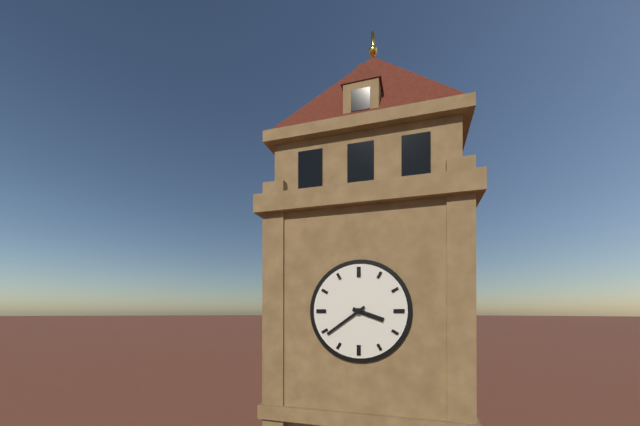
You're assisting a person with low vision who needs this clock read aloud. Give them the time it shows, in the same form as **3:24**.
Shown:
**3:39**
